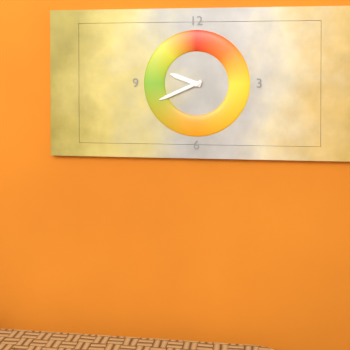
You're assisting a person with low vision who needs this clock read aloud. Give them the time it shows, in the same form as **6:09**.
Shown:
**9:41**
